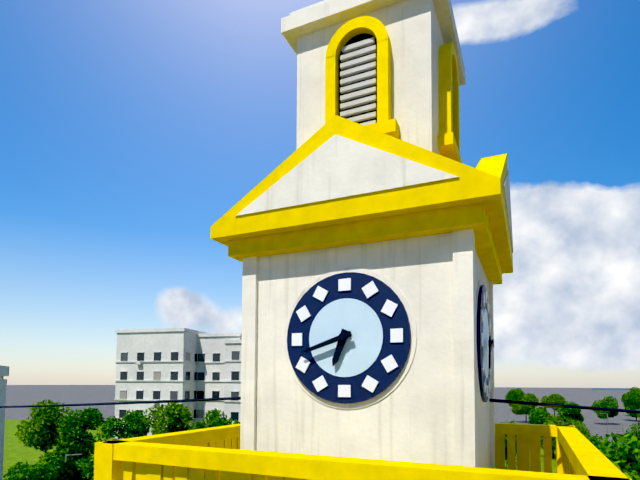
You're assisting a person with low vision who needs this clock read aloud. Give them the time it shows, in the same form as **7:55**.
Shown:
**6:42**
